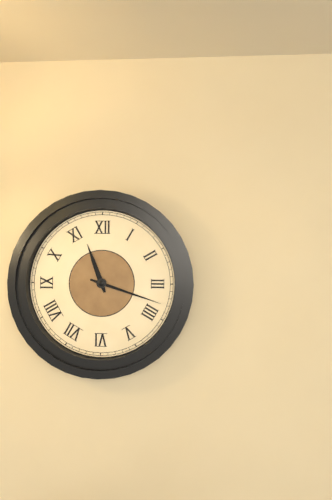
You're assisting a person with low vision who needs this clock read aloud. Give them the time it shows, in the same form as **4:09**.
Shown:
**11:18**
